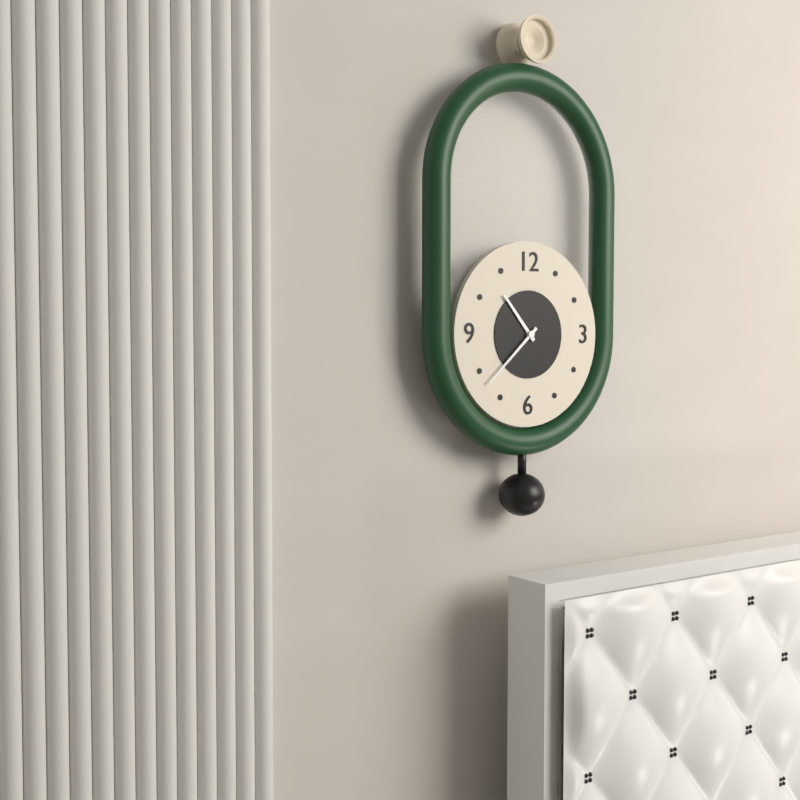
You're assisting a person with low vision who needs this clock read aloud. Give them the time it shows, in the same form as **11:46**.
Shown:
**10:38**
